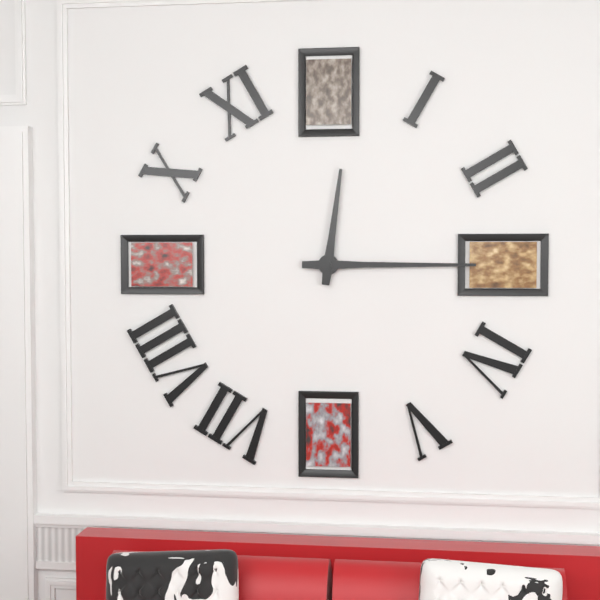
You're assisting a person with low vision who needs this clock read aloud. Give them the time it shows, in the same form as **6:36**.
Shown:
**12:15**
